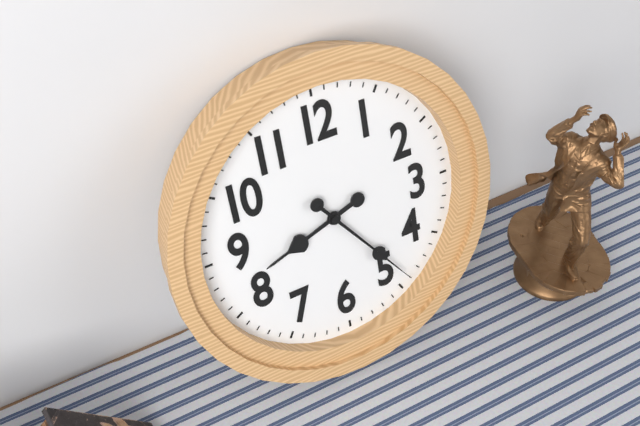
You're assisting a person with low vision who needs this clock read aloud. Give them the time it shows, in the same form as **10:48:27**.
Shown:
**8:24:24**
